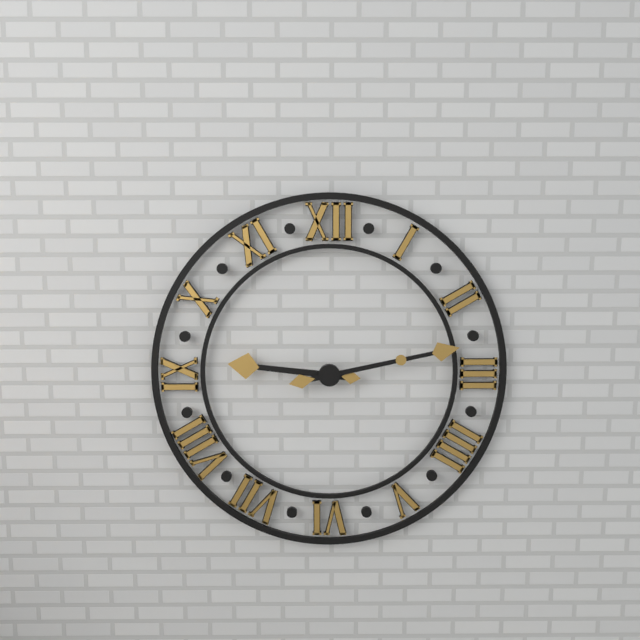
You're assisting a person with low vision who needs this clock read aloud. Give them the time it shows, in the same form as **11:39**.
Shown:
**9:13**
